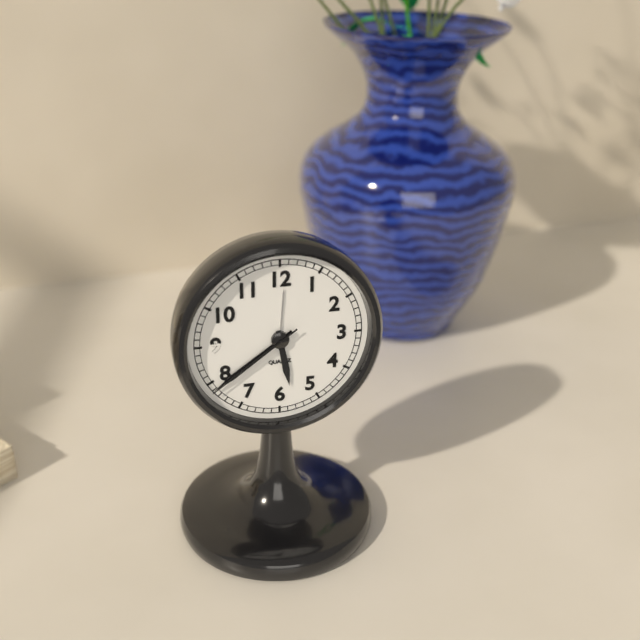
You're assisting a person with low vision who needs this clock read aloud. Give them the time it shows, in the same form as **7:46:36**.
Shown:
**5:39:39**
